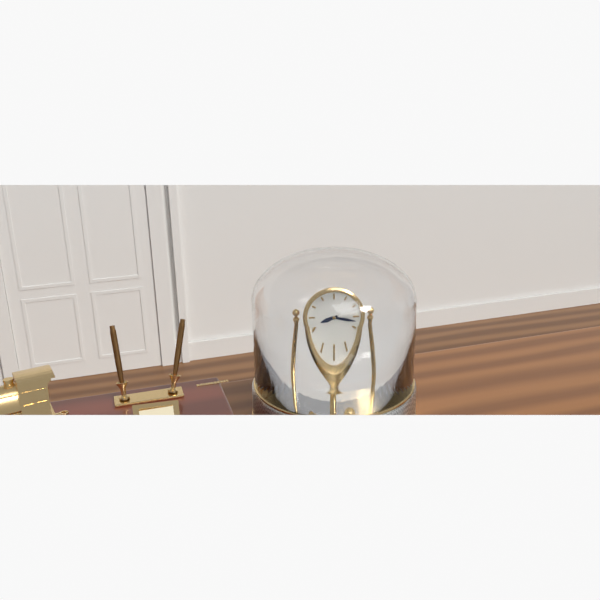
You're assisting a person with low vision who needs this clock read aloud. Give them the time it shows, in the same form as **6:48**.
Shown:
**8:17**
